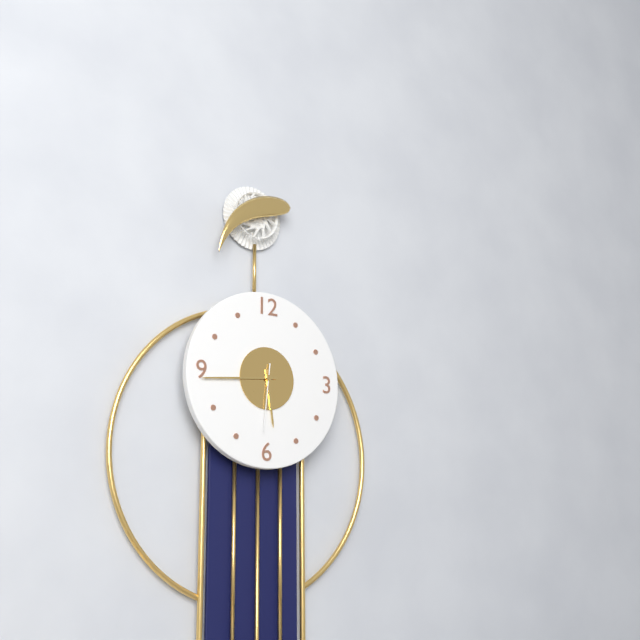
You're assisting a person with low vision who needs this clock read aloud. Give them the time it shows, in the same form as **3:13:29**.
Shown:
**5:44:31**
